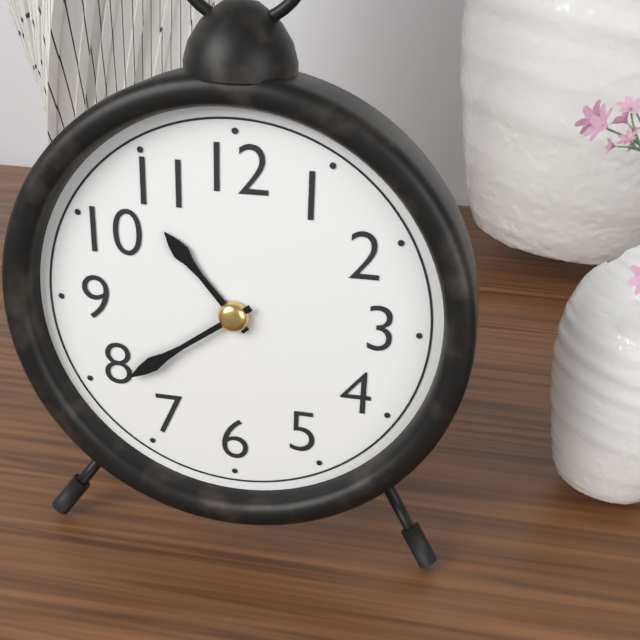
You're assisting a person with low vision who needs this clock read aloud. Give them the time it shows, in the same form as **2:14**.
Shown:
**10:39**
